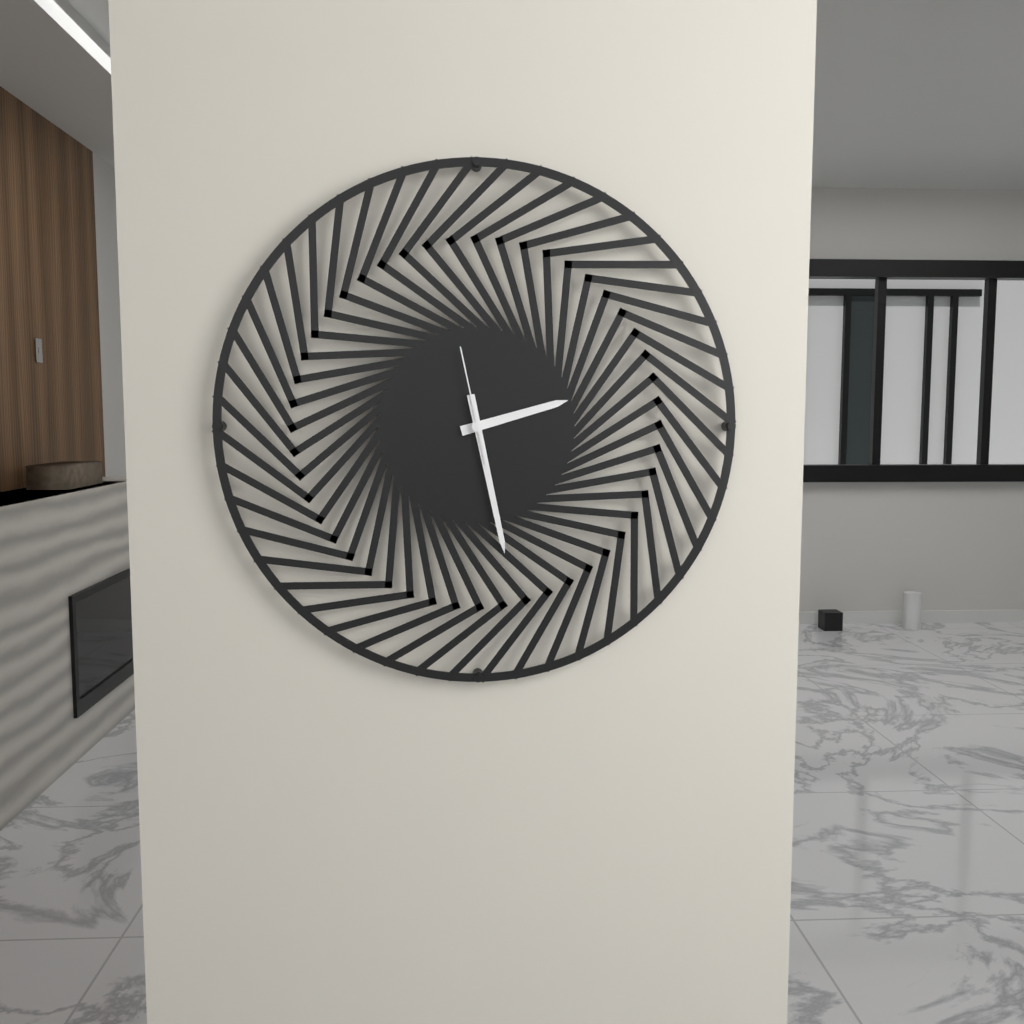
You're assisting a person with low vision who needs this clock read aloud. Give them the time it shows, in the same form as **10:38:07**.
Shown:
**2:28:58**
